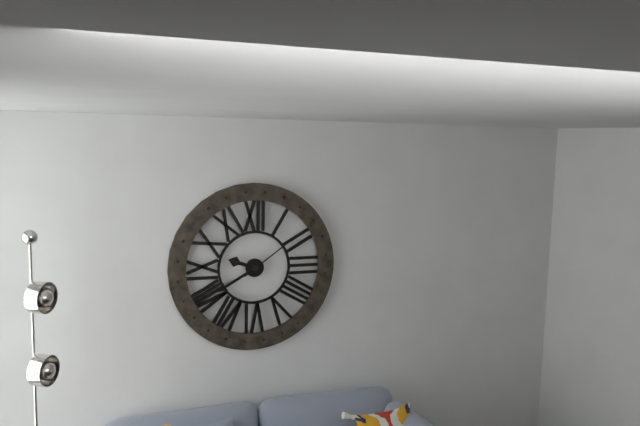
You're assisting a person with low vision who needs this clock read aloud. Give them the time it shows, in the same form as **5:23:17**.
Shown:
**9:40:09**
